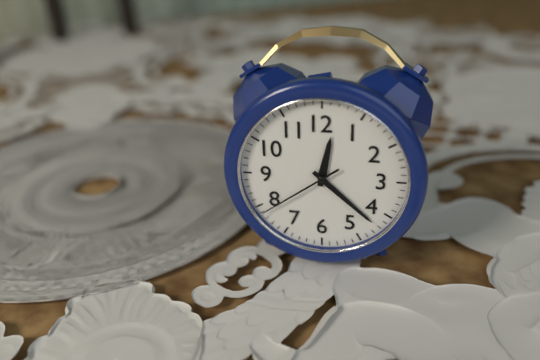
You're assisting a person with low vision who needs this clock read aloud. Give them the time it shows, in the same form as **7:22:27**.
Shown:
**12:22:39**
